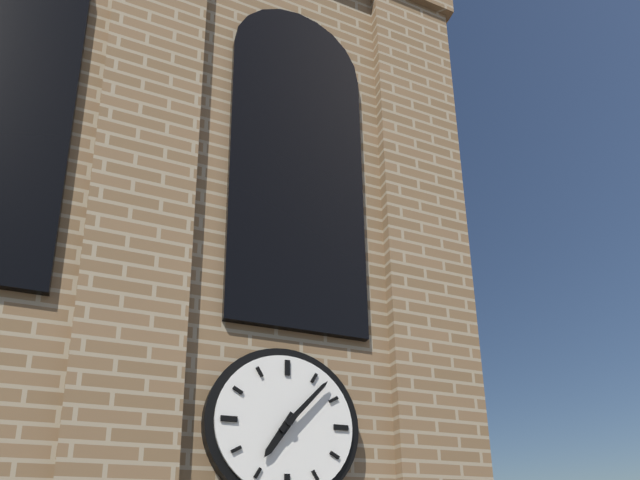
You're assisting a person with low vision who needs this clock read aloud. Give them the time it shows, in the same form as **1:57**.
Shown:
**7:07**
